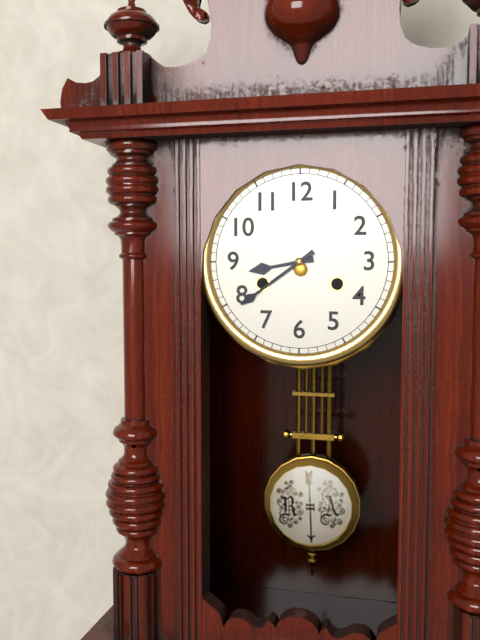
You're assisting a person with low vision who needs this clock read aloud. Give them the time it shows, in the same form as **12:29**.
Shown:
**8:39**
